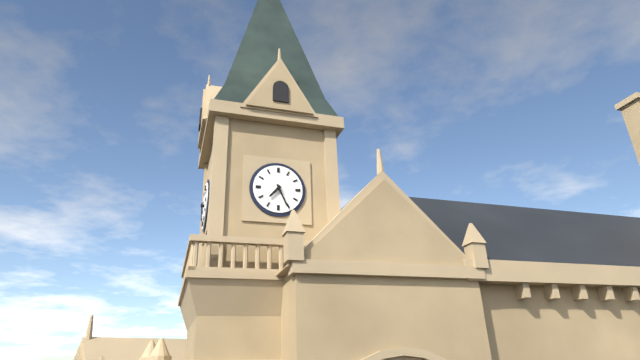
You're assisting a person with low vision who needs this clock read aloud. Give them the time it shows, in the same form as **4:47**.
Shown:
**7:26**
